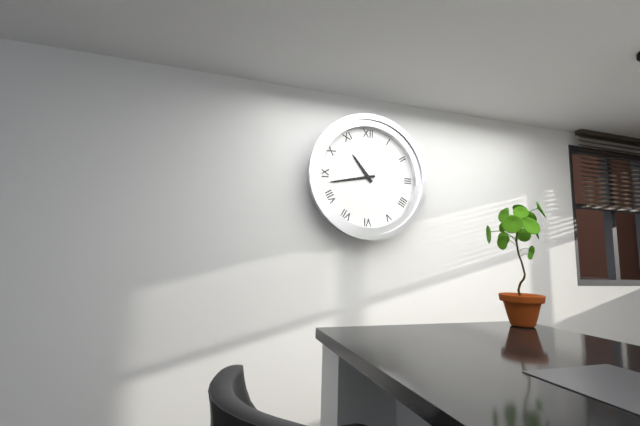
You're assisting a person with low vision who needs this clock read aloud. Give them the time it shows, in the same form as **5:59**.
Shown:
**10:43**
